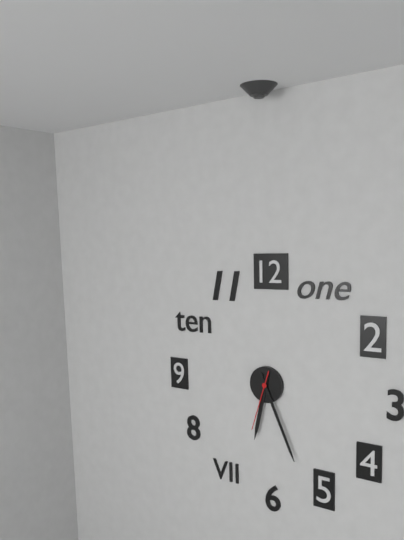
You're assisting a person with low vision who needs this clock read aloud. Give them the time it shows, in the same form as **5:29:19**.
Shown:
**6:26:33**
